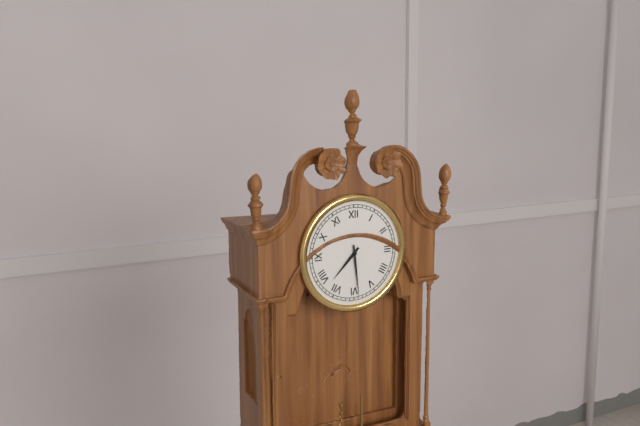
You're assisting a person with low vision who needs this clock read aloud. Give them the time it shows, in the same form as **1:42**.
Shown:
**7:29**
